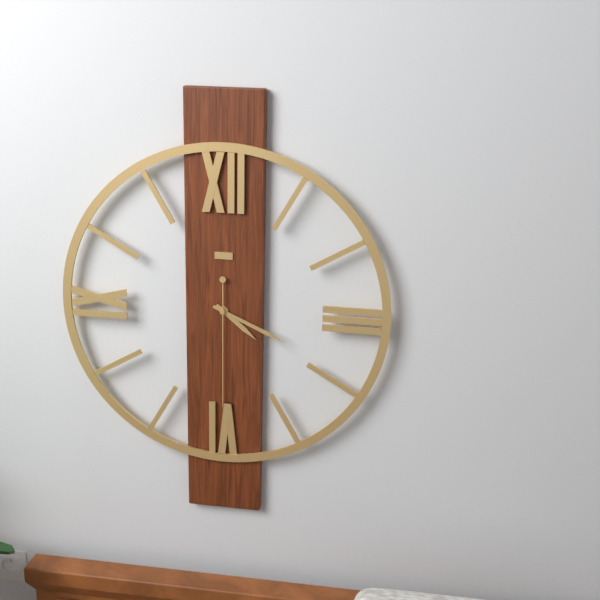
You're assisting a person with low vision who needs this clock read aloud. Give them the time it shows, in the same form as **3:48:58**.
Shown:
**4:19:30**
